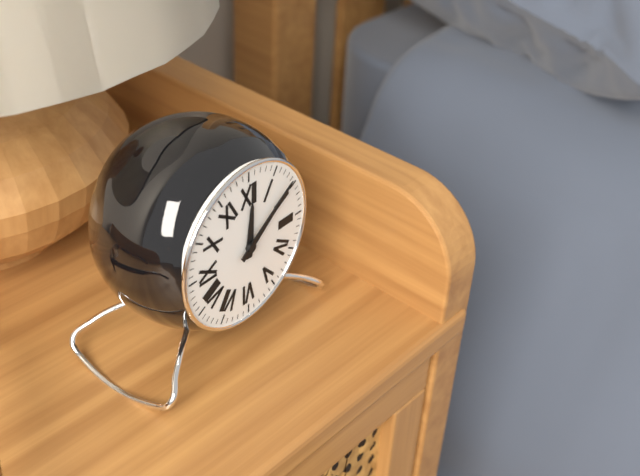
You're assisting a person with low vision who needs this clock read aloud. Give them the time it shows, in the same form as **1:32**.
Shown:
**12:09**
